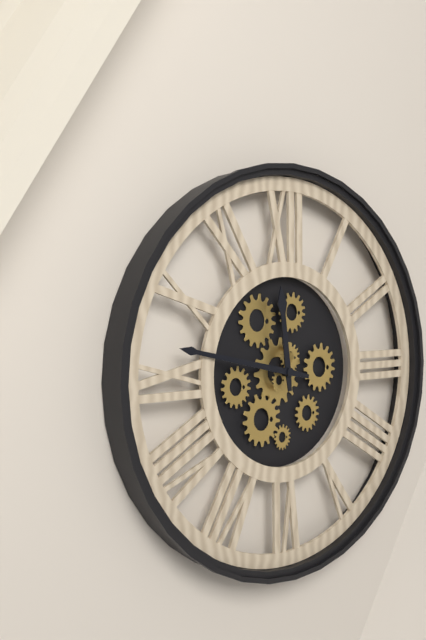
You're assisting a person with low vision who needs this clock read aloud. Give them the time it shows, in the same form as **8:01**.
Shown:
**11:47**
